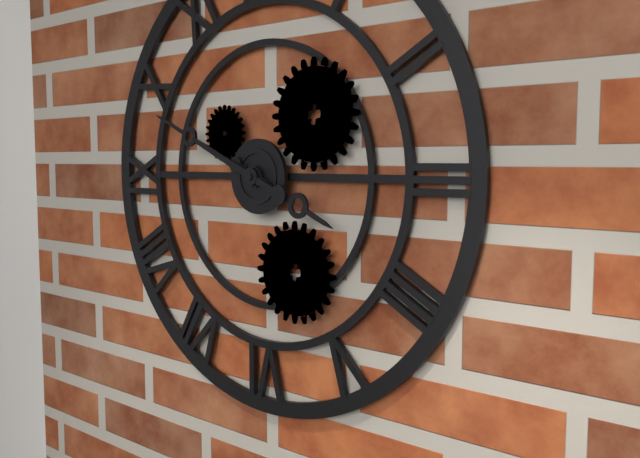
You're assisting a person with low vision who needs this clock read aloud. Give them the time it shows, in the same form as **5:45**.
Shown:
**3:49**
